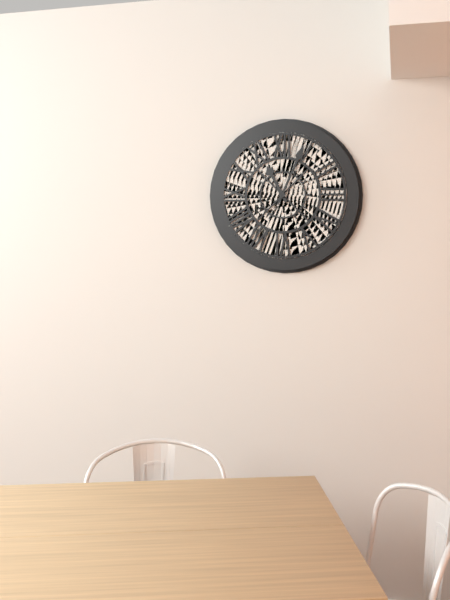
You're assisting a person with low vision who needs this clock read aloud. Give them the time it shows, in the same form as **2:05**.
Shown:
**11:04**
